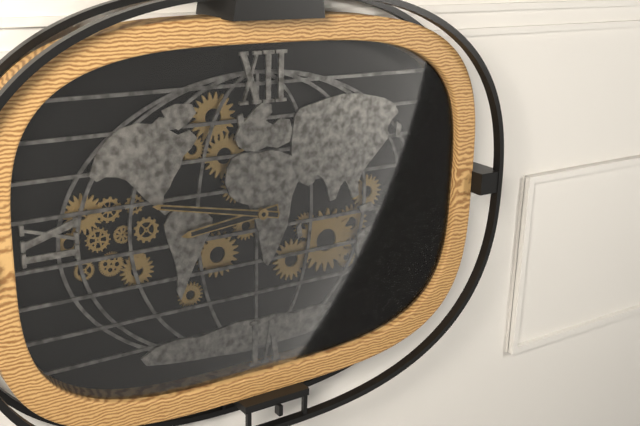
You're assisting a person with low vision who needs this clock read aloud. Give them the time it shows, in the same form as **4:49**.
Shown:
**8:47**
